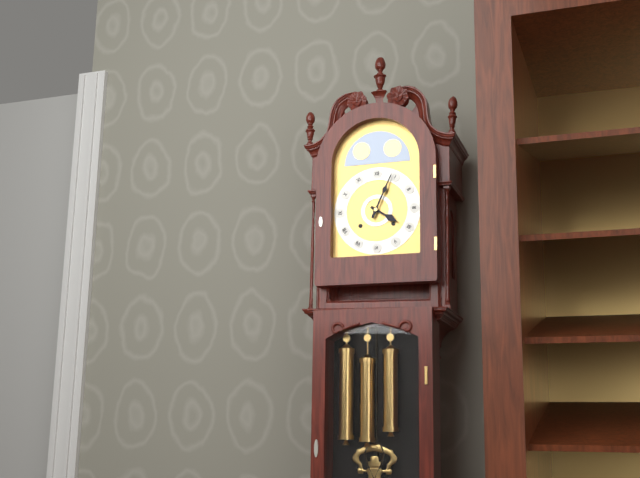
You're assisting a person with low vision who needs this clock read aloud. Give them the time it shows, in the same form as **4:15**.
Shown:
**4:04**
